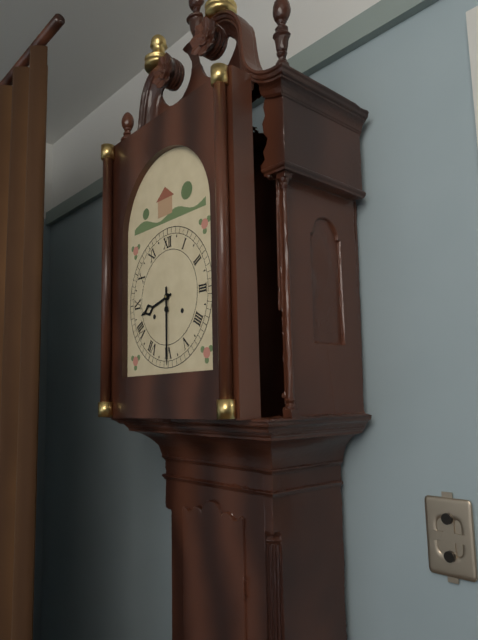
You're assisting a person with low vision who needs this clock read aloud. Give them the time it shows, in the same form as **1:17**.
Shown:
**8:30**
